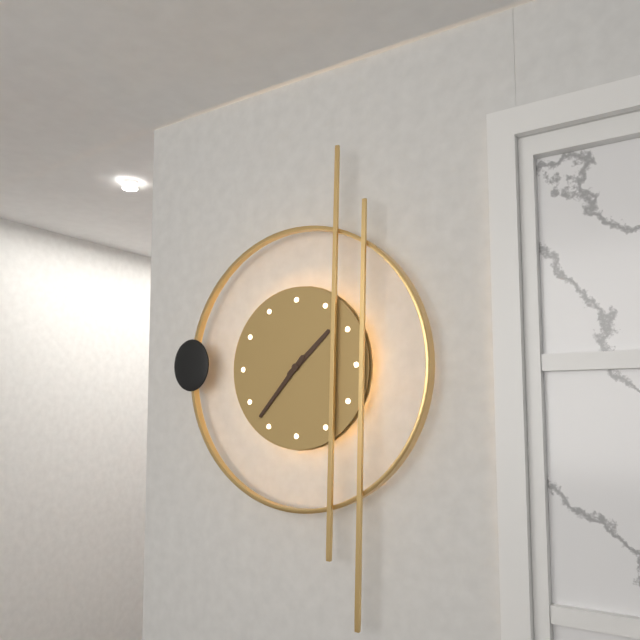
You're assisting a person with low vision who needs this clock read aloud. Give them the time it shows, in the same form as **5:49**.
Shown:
**1:37**
